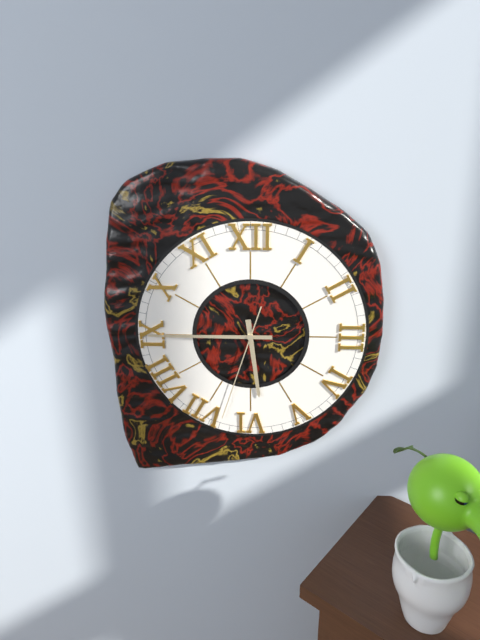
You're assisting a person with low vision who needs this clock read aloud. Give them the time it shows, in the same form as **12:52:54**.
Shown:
**5:45:33**
